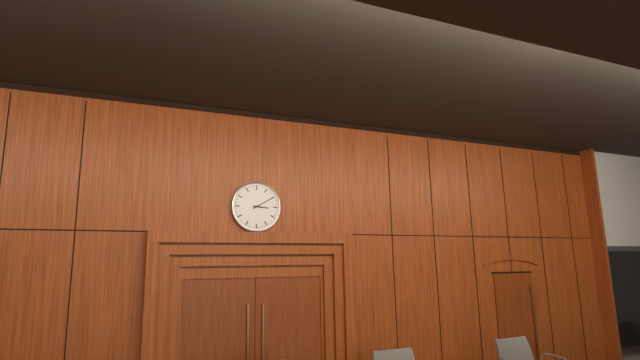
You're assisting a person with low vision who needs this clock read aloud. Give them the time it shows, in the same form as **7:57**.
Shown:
**3:10**
